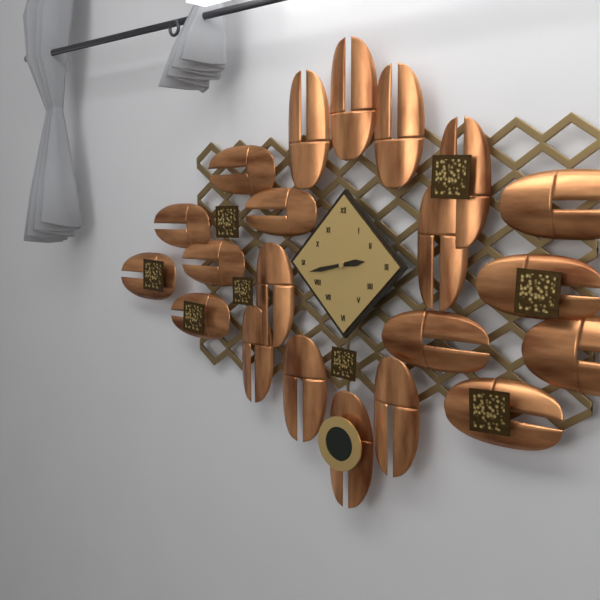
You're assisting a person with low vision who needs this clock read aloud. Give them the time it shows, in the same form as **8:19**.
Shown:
**2:43**
